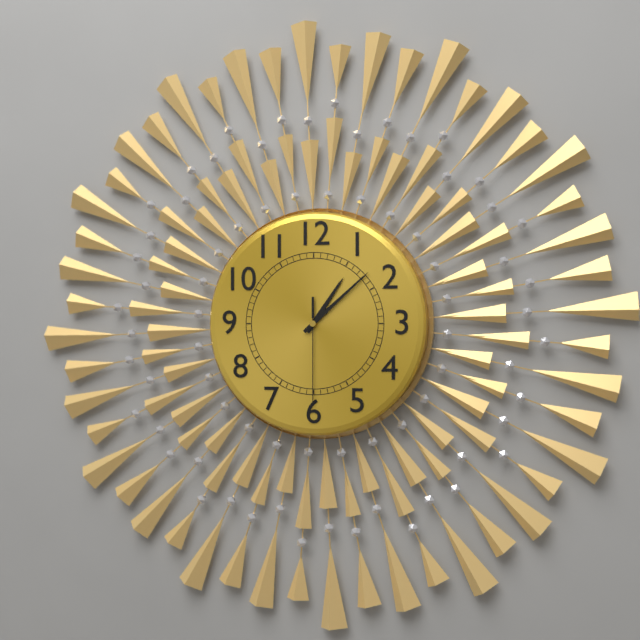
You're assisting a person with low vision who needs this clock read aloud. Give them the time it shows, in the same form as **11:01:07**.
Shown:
**1:08:30**
